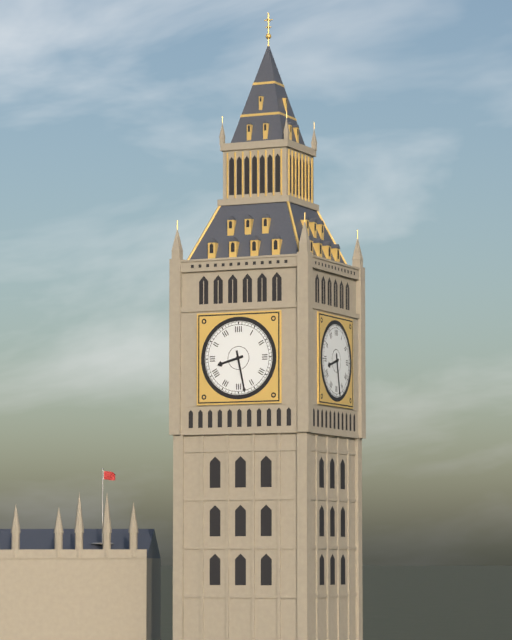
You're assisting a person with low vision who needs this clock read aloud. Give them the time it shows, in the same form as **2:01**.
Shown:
**8:28**
